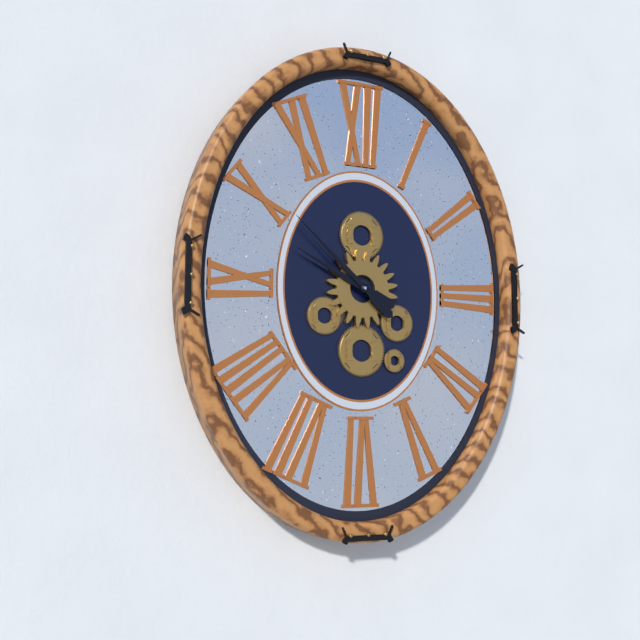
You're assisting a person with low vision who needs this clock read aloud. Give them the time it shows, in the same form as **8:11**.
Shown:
**9:52**
